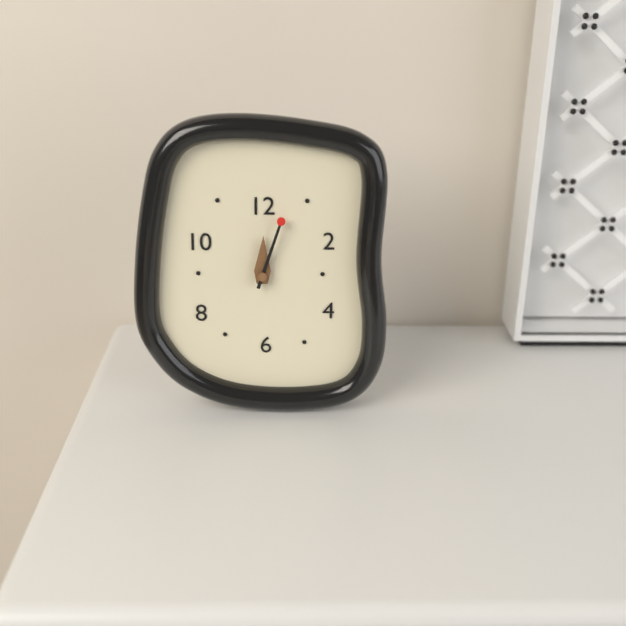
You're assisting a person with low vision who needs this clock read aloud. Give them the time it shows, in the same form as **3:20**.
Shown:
**12:03**
